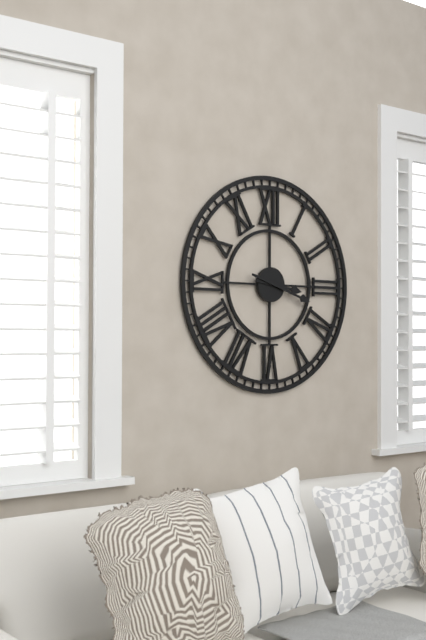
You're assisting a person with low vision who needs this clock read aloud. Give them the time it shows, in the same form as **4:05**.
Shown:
**3:18**
